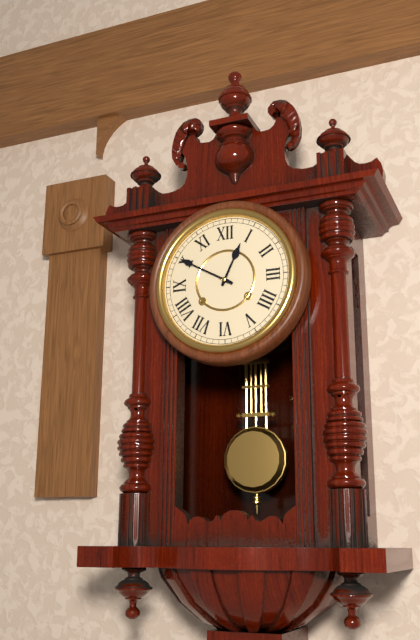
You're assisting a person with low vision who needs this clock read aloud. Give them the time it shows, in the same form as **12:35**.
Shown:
**12:50**
